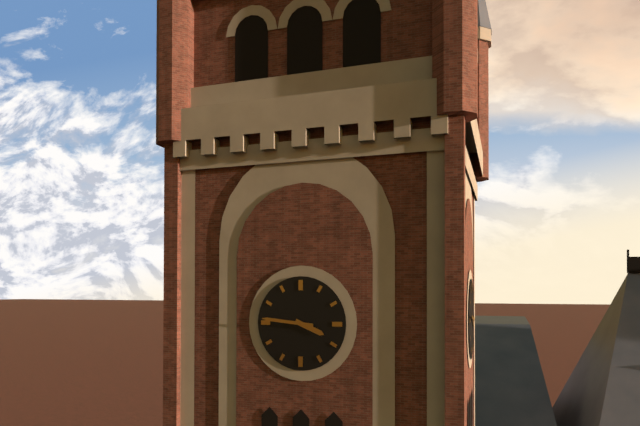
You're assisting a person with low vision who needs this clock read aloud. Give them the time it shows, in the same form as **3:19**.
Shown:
**3:46**
